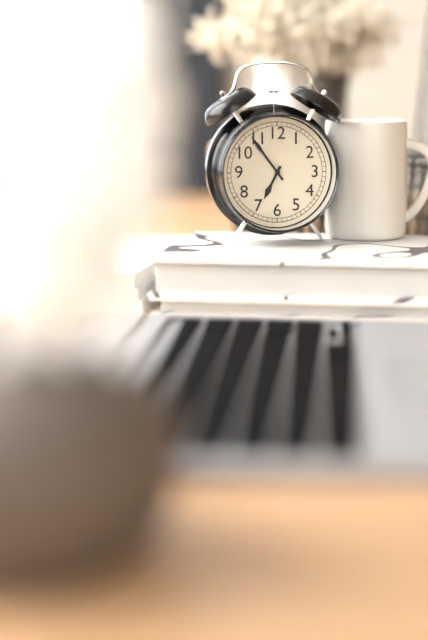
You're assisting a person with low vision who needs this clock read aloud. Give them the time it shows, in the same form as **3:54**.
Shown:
**6:54**
